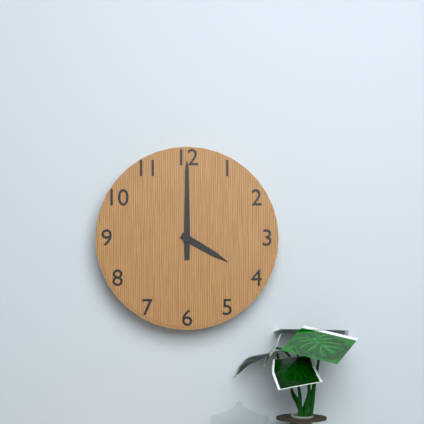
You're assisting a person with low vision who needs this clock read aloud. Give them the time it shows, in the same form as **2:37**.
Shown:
**4:00**
